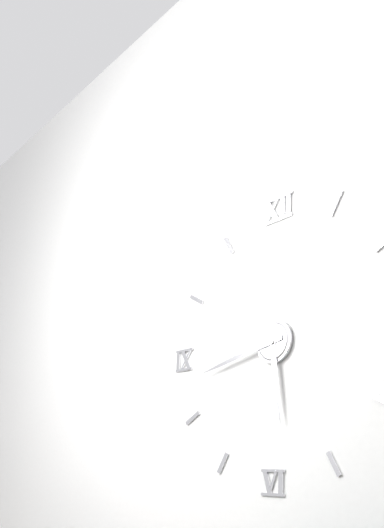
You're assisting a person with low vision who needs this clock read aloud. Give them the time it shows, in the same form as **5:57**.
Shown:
**5:43**
